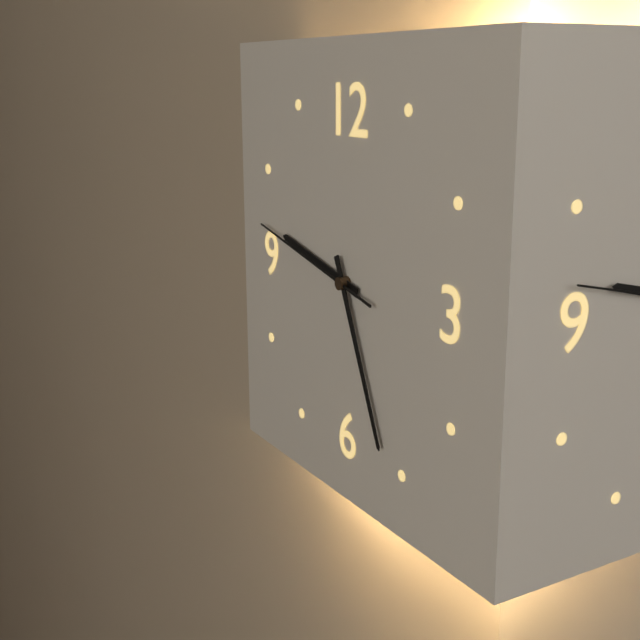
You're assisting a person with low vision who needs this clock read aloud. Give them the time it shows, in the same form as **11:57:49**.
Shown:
**9:26:47**
